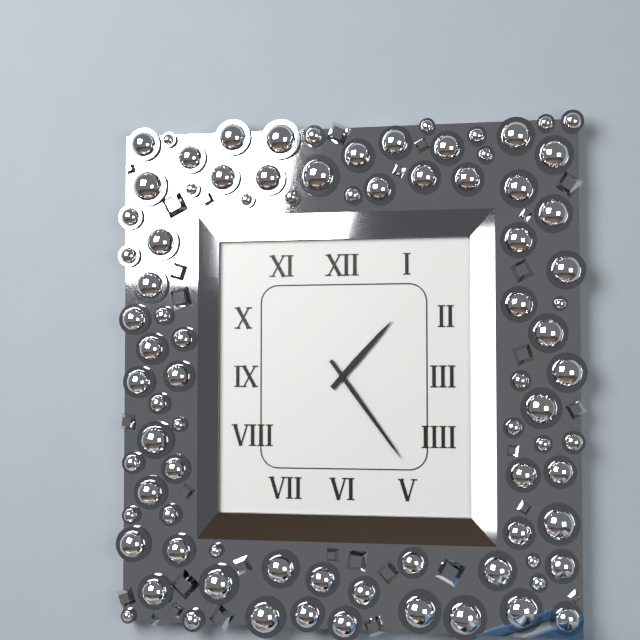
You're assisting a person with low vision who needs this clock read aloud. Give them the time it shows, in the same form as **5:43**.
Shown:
**1:24**
